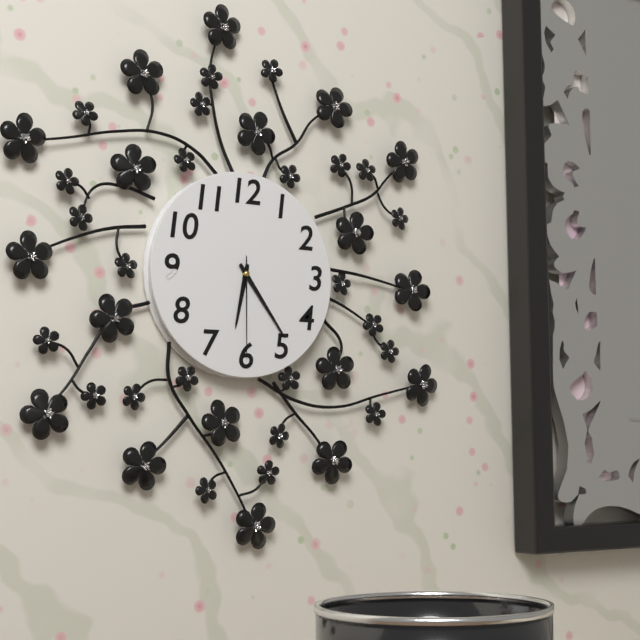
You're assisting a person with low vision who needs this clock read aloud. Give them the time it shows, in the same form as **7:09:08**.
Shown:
**6:24:30**
